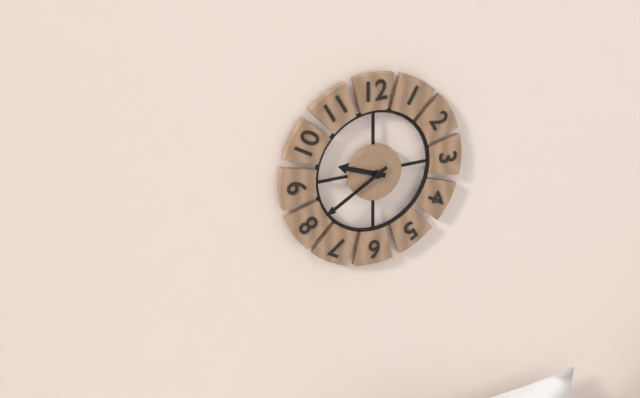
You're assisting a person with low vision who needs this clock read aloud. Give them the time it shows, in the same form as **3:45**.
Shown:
**9:40**
